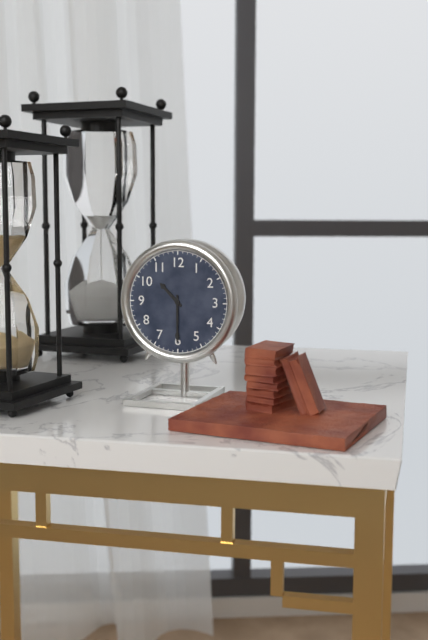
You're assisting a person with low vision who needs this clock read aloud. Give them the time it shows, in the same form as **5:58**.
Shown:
**10:30**
